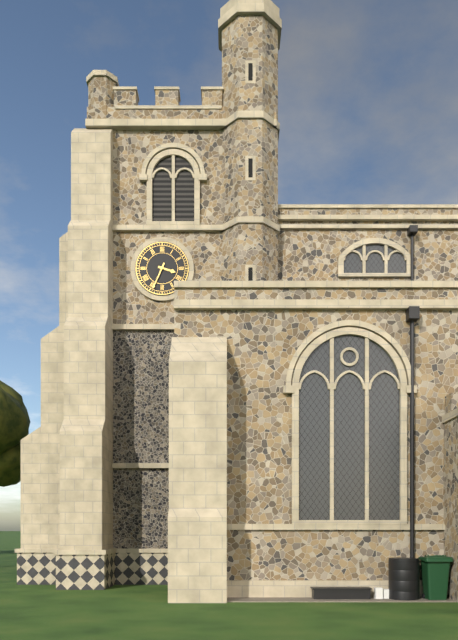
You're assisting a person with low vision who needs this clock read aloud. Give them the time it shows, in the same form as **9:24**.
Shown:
**3:34**
